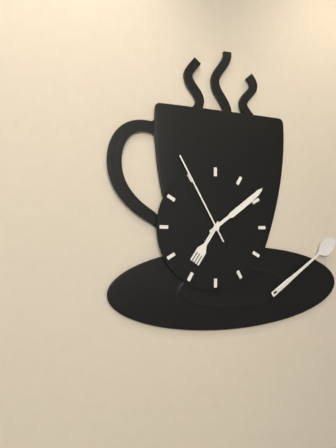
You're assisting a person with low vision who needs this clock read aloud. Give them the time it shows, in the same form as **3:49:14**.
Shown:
**7:09:55**
